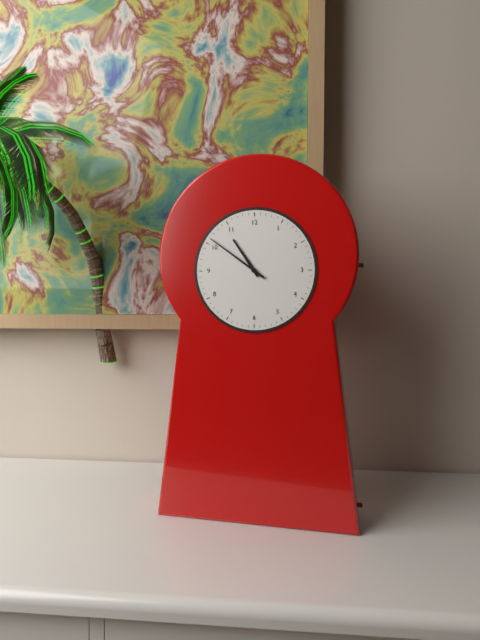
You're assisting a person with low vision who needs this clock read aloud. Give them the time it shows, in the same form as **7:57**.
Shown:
**10:51**
